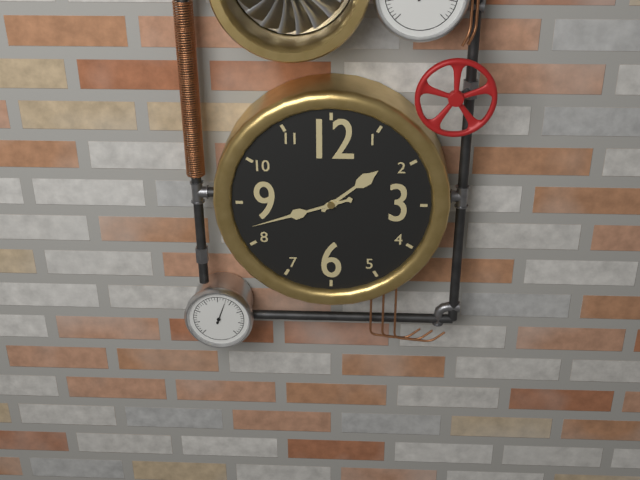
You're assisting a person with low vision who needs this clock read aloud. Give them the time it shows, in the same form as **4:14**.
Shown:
**1:42**
